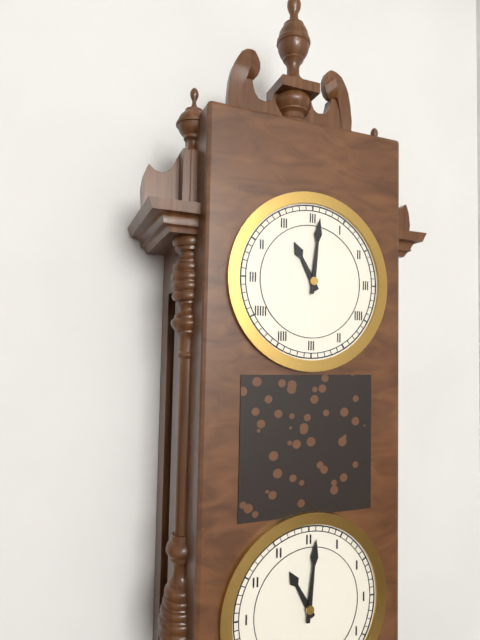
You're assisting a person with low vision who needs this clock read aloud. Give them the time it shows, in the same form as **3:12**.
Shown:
**11:01**
